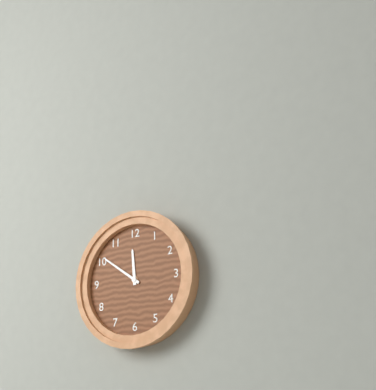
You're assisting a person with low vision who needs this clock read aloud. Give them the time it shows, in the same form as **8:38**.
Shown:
**11:51**
